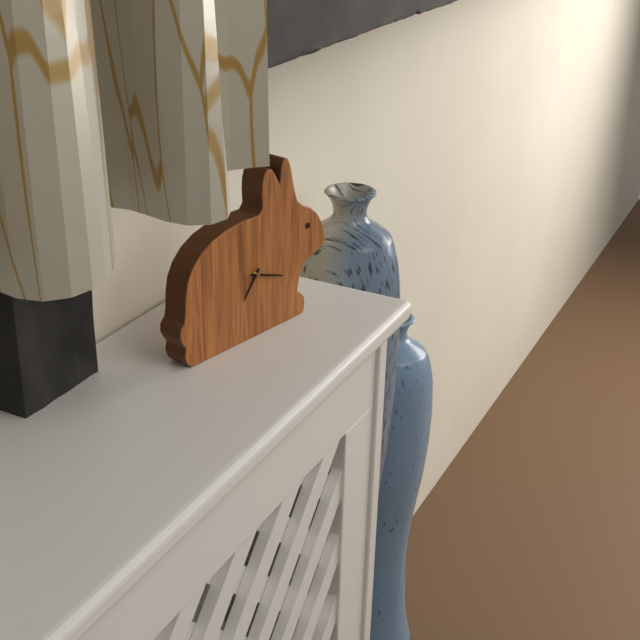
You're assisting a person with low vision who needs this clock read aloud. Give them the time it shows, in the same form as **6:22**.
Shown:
**7:18**
